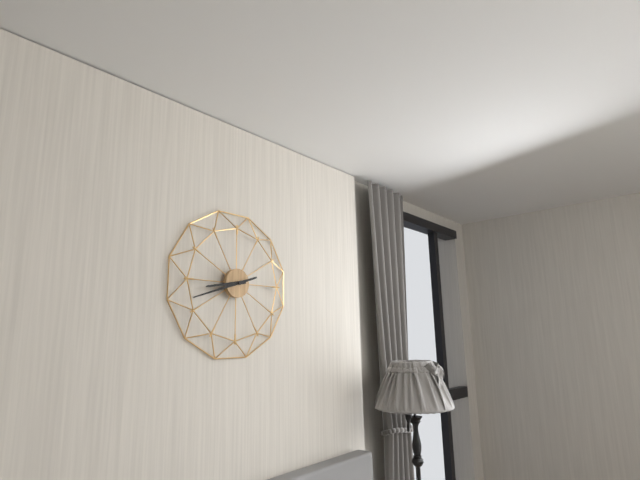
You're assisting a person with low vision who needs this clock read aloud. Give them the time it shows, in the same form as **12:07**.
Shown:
**8:42**
